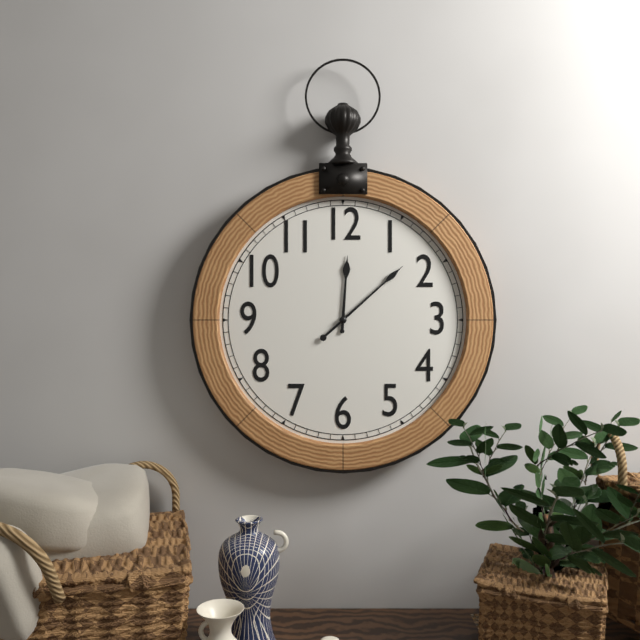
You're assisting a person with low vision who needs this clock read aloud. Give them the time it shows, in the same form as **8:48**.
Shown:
**12:08**
